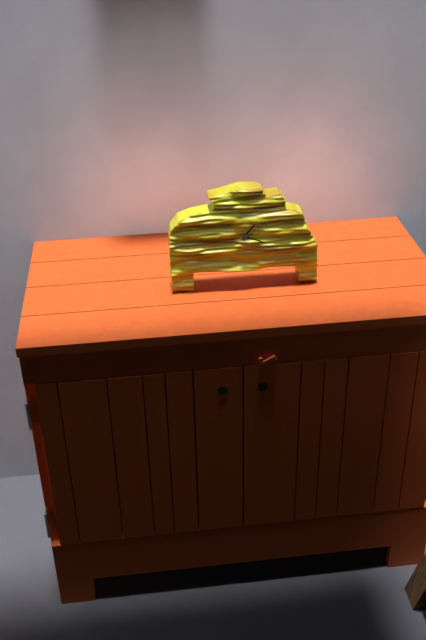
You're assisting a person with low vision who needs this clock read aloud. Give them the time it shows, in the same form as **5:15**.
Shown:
**1:19**
